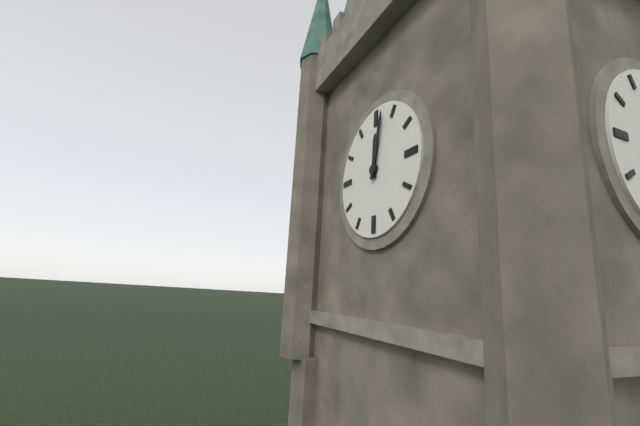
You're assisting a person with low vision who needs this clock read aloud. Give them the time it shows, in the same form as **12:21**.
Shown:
**12:02**
